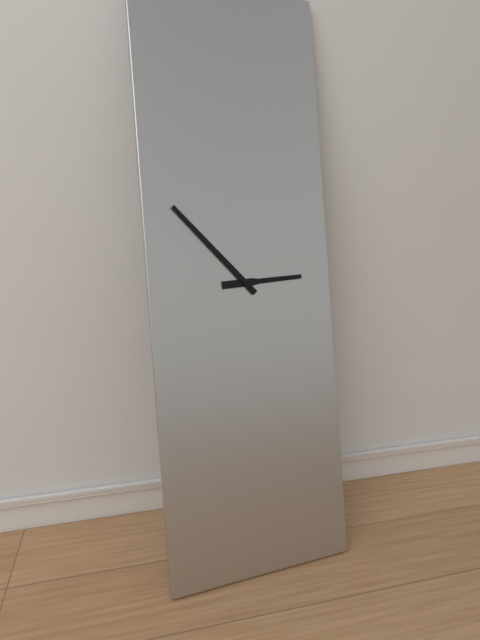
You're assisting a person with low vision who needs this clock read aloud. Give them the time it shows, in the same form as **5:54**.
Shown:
**2:53**
